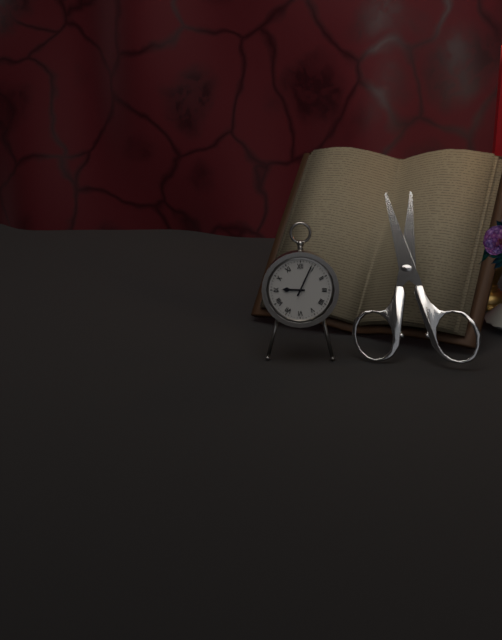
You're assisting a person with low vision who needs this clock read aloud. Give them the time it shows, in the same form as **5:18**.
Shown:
**9:04**
